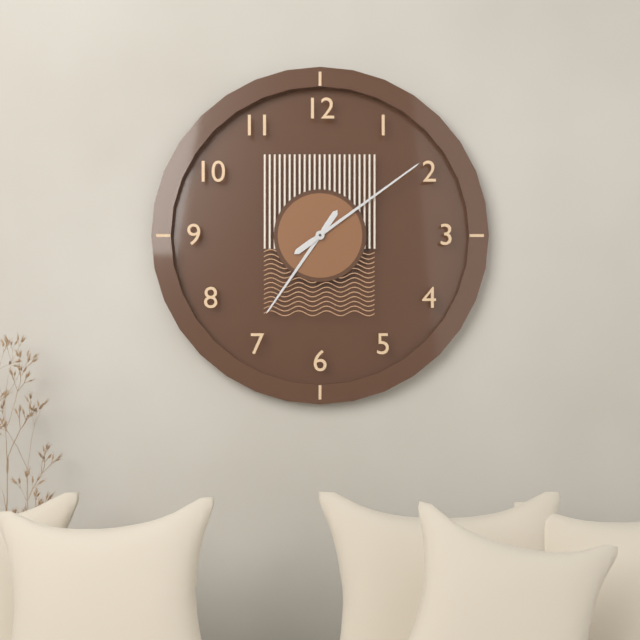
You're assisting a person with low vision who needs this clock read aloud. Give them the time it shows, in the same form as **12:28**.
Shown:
**7:09**
